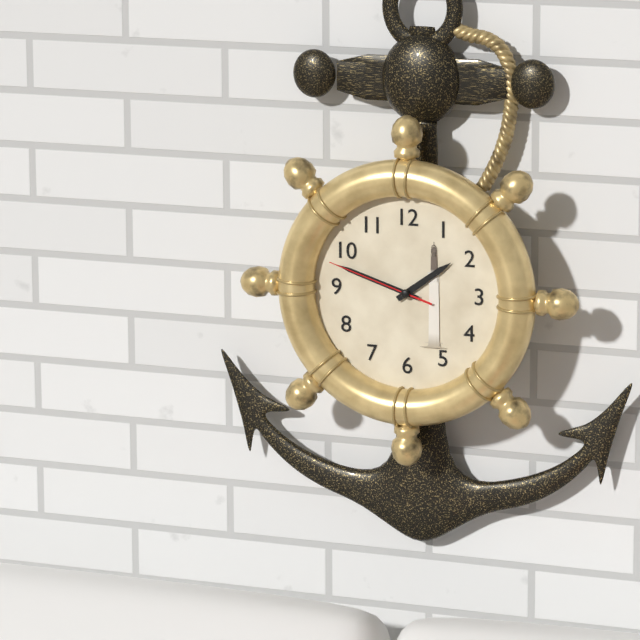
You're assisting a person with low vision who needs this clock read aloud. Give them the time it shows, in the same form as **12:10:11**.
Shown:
**1:48:48**
